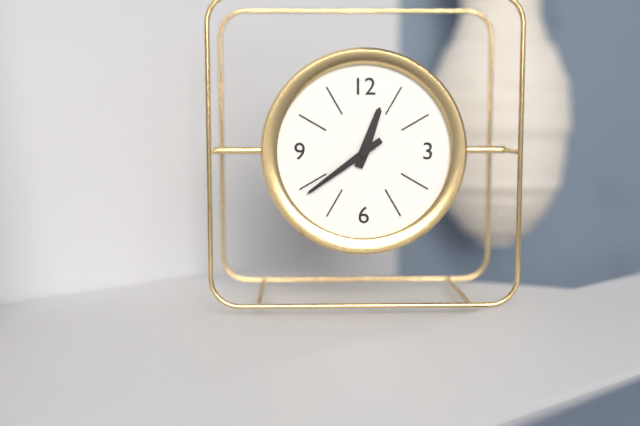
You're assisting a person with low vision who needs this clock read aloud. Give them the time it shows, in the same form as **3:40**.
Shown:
**12:39**
